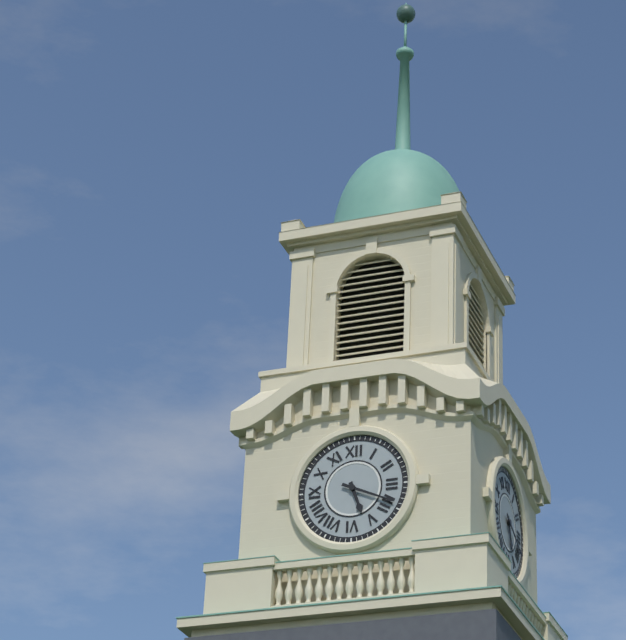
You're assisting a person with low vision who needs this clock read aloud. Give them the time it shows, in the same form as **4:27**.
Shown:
**5:19**
